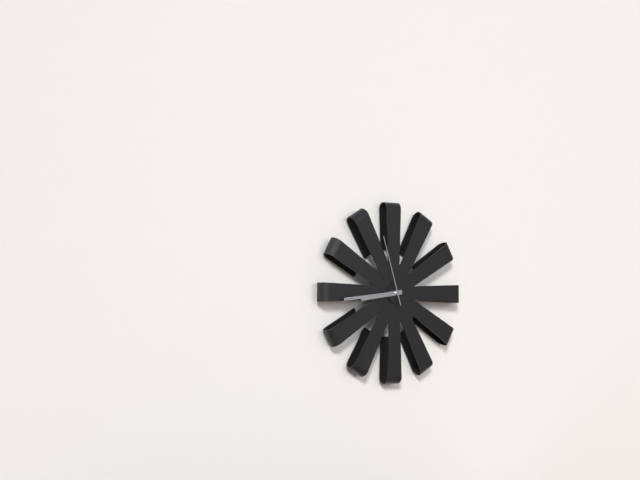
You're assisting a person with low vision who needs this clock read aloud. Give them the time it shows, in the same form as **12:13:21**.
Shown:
**8:44:57**
